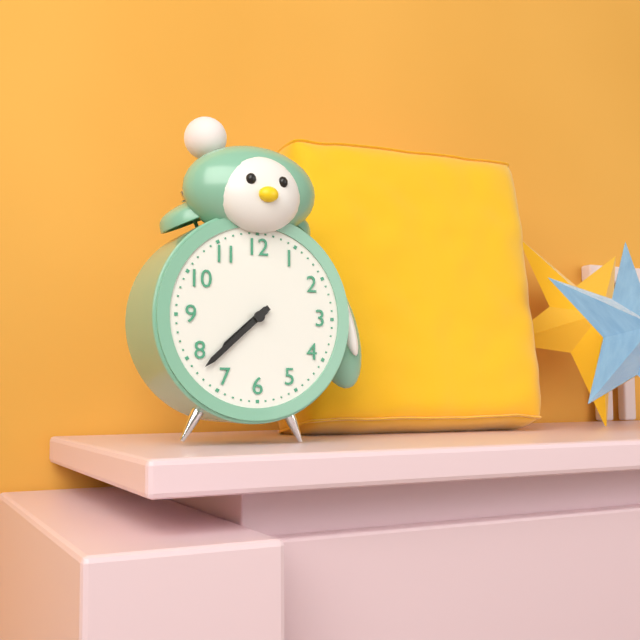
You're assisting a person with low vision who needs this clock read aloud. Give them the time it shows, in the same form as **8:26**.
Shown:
**7:38**
